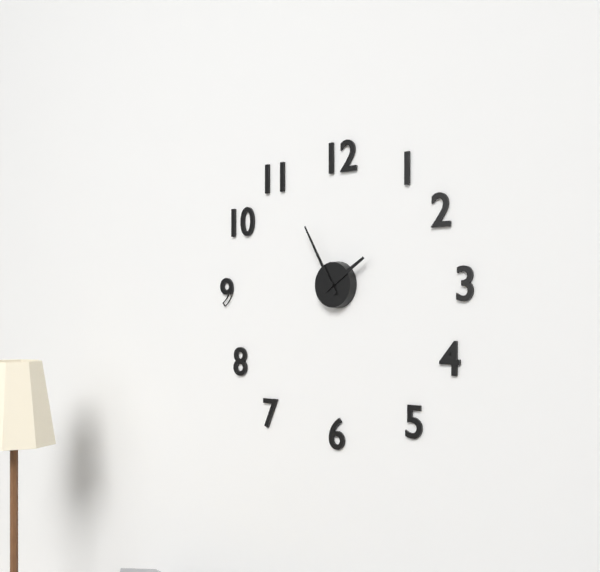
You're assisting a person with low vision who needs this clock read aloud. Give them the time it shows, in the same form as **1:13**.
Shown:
**1:55**
